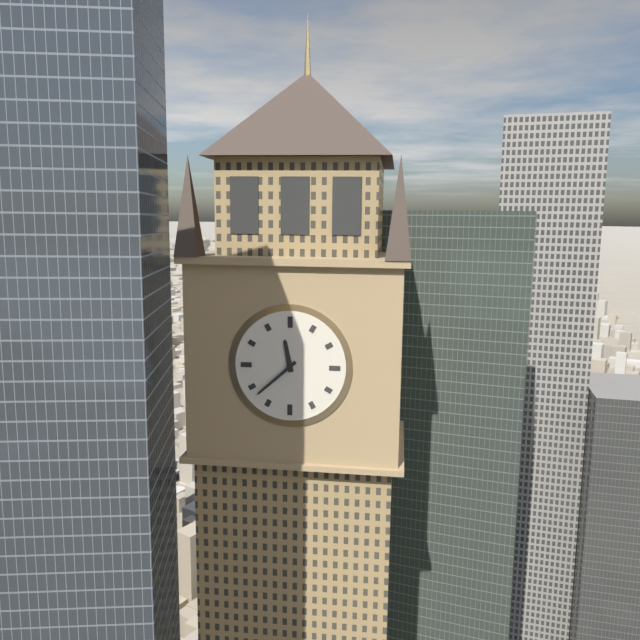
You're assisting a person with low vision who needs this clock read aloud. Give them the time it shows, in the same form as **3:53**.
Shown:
**11:38**
